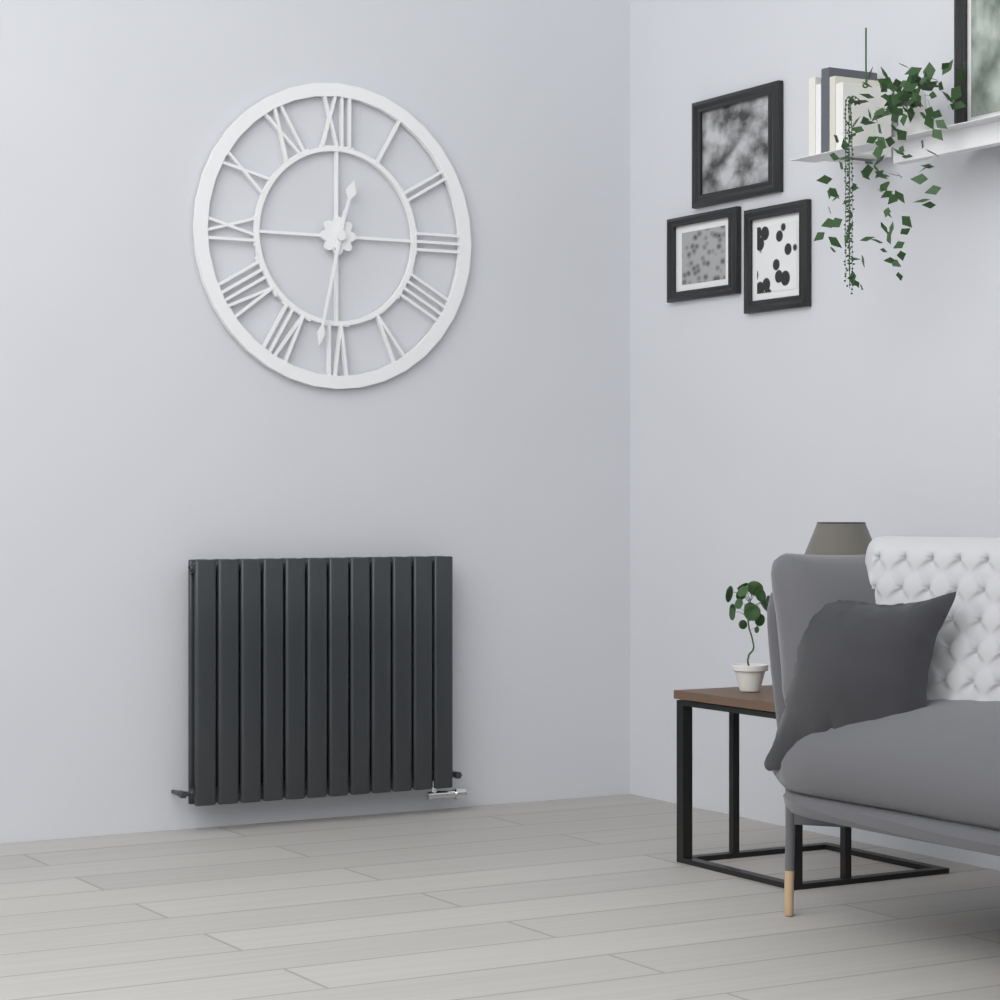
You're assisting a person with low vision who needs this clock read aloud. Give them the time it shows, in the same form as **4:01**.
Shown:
**12:32**
